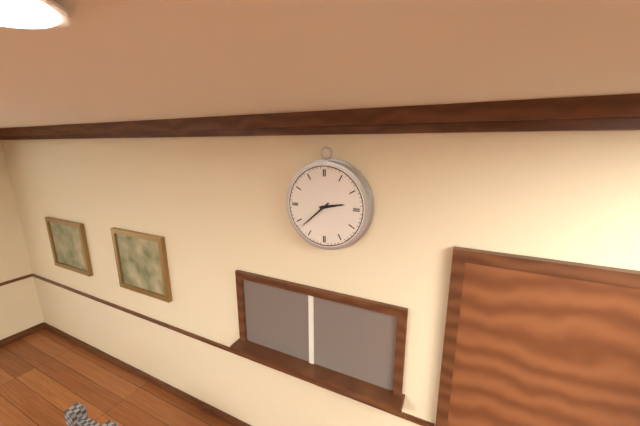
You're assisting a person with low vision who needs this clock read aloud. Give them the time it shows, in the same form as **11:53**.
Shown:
**2:38**
